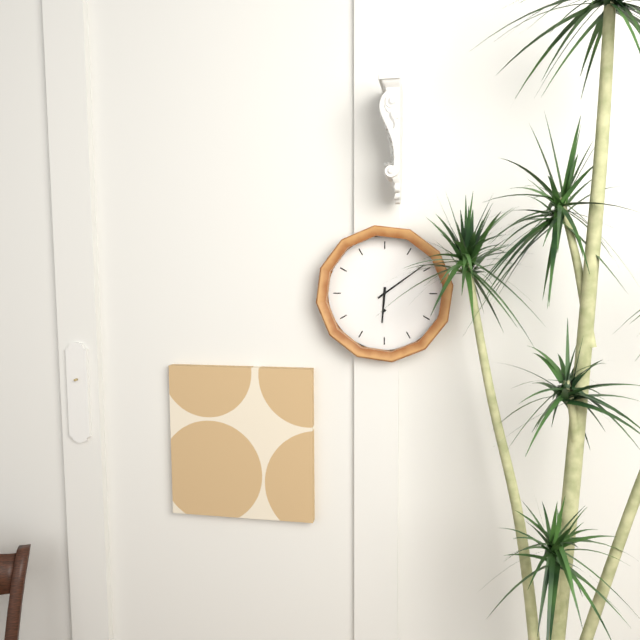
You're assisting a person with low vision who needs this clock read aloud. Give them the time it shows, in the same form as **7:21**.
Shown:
**6:09**
